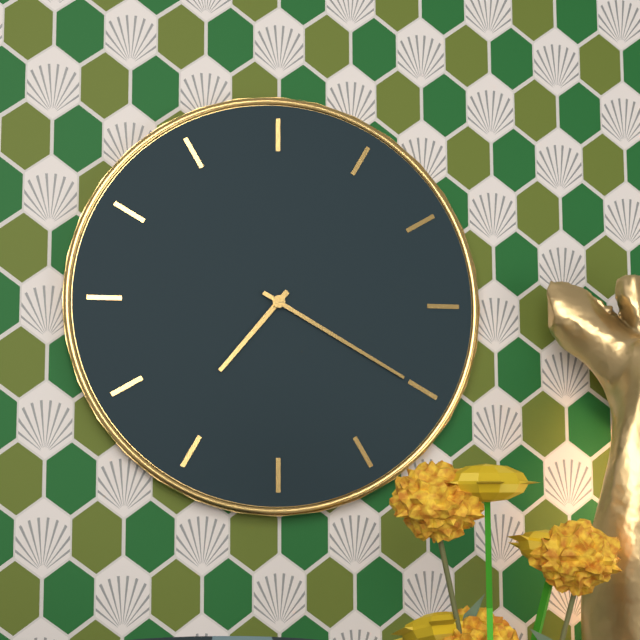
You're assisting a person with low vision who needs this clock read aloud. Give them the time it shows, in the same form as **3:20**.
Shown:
**7:20**
